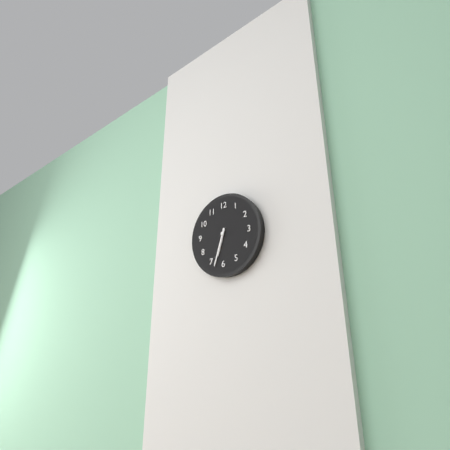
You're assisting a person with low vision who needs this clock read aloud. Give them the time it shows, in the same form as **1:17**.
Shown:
**6:33**
